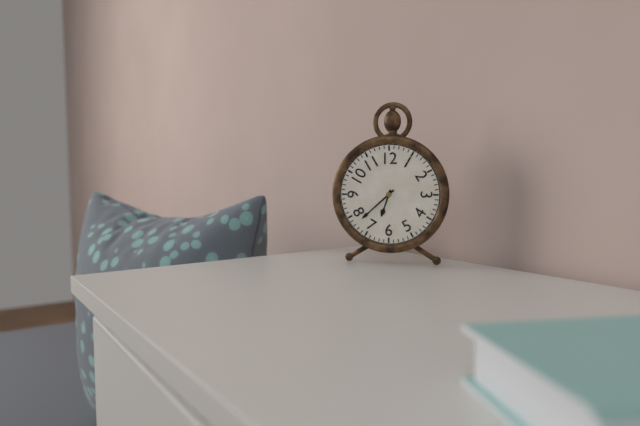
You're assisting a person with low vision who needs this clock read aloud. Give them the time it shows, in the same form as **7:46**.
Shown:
**6:38**
